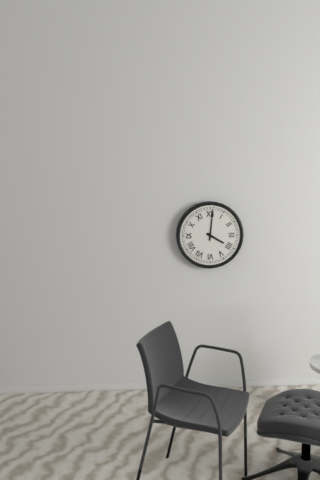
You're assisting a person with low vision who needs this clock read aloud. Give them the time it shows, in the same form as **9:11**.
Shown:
**4:01**
